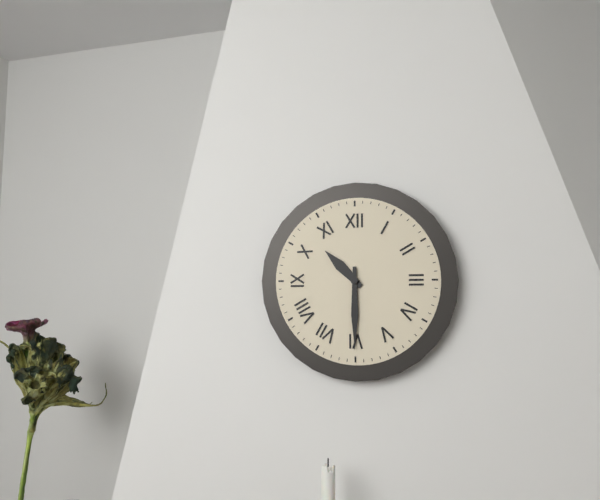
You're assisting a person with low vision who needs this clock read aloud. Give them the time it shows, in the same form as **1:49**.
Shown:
**10:30**
